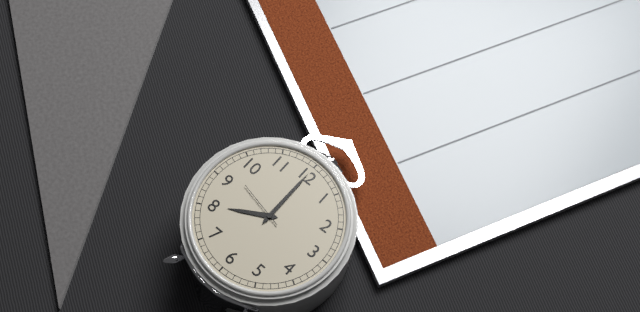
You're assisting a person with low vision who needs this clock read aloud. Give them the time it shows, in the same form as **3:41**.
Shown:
**8:00**
